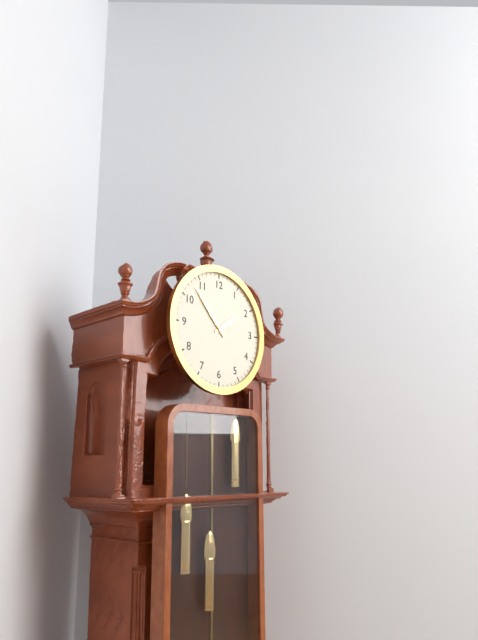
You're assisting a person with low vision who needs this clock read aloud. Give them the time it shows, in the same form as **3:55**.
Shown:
**1:53**
